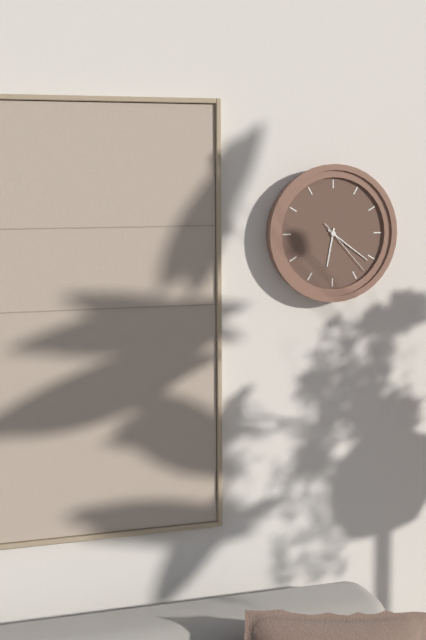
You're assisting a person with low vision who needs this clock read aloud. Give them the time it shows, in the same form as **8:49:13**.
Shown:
**6:21:23**
